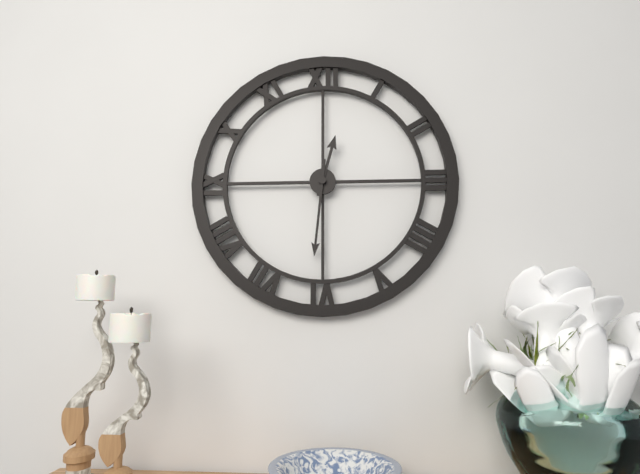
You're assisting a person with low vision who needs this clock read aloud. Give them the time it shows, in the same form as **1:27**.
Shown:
**12:31**
